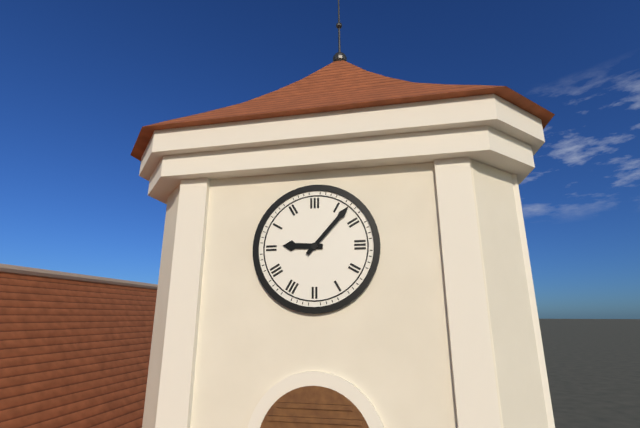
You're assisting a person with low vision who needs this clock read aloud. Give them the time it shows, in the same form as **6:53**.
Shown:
**9:07**
